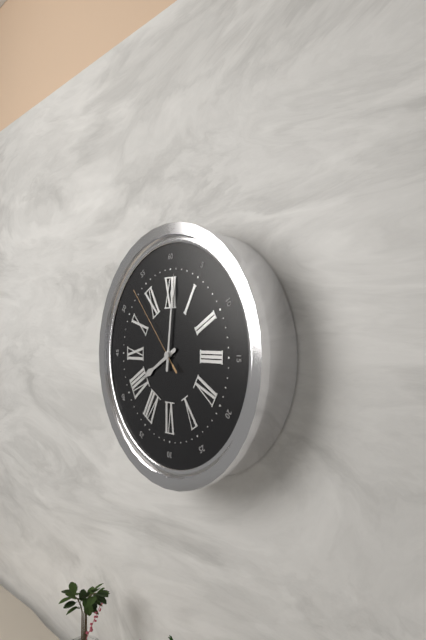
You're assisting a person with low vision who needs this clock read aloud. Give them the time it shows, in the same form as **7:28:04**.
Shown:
**8:01:53**
